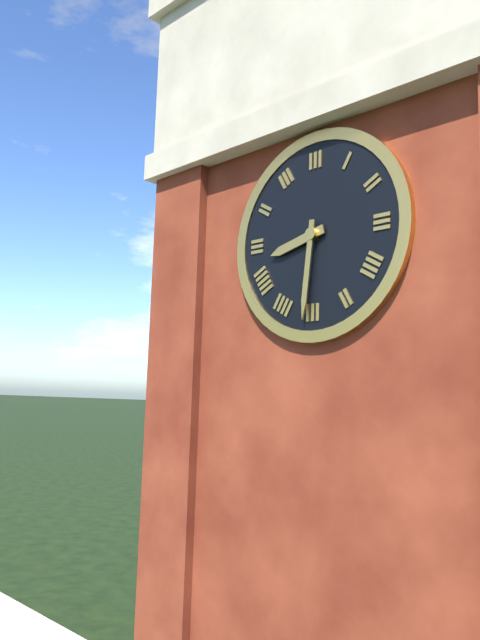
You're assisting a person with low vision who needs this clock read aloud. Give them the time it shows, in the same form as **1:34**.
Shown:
**8:31**
